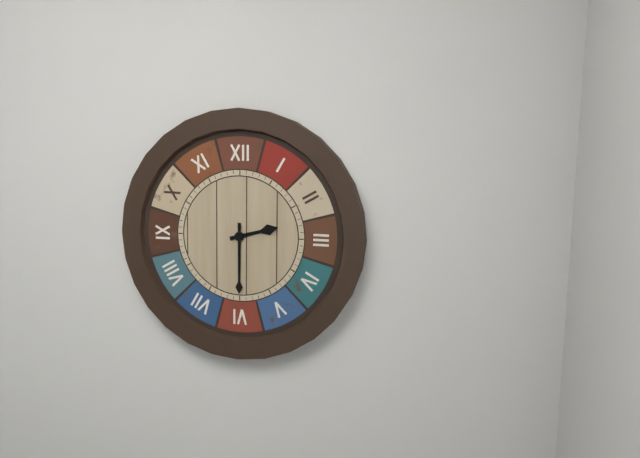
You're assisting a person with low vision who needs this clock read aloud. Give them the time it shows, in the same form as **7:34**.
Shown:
**2:30**
